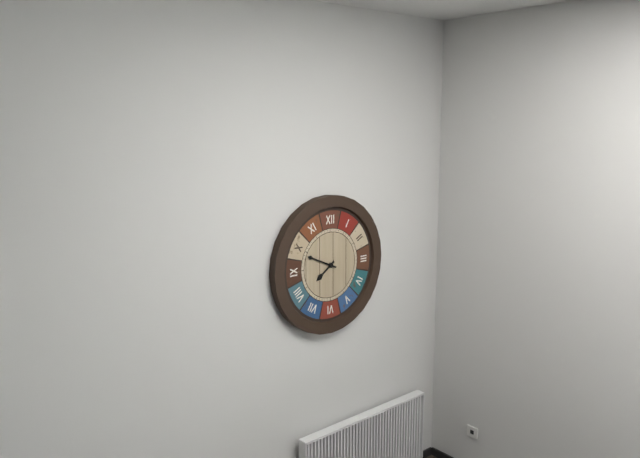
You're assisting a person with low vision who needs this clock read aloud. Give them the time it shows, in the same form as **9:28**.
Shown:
**7:49**
